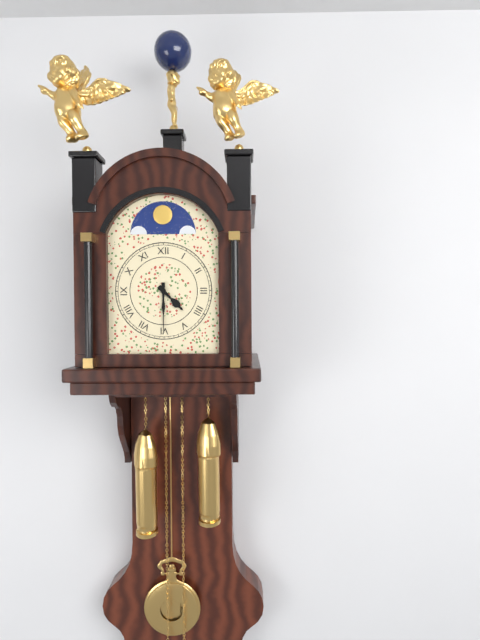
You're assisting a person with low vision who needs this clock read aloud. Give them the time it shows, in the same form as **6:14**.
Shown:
**4:30**
